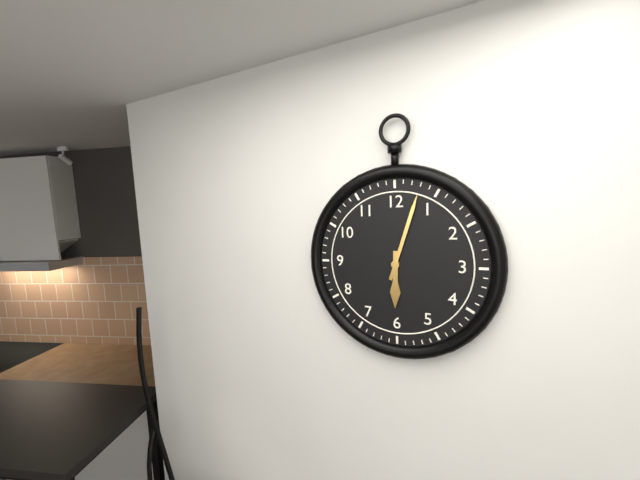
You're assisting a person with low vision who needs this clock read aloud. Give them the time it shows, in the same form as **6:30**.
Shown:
**6:03**
